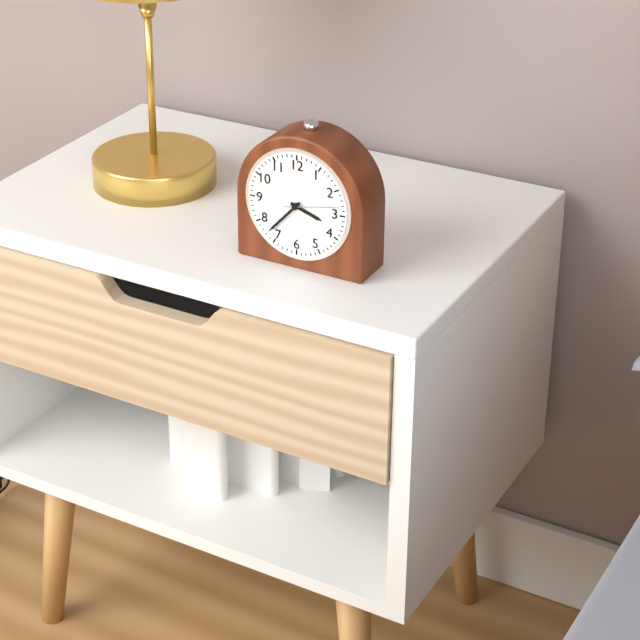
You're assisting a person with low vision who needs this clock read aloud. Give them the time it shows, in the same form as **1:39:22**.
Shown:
**3:37:13**
